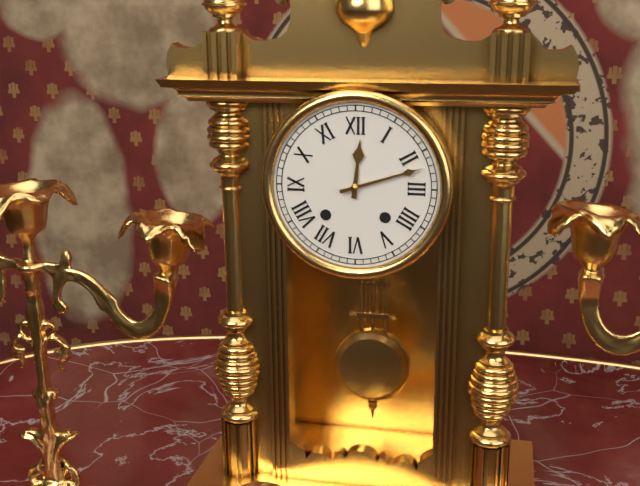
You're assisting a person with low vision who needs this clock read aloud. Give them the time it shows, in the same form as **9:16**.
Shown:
**12:12**
